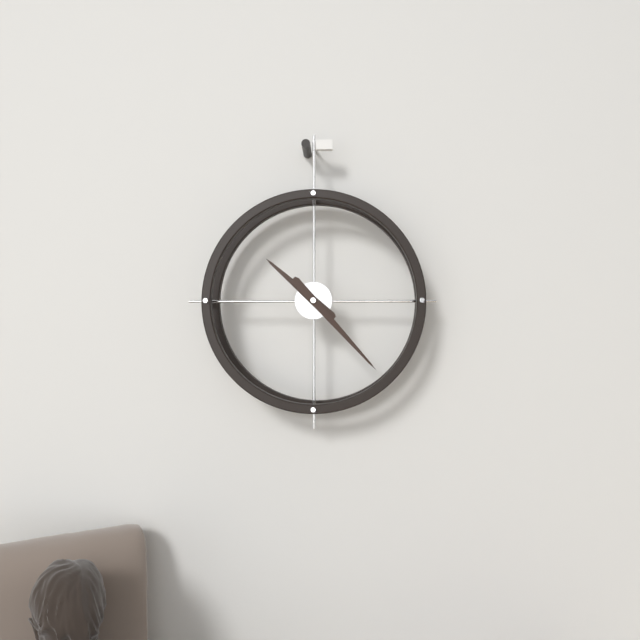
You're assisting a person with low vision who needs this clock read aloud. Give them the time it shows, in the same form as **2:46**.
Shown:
**10:23**
